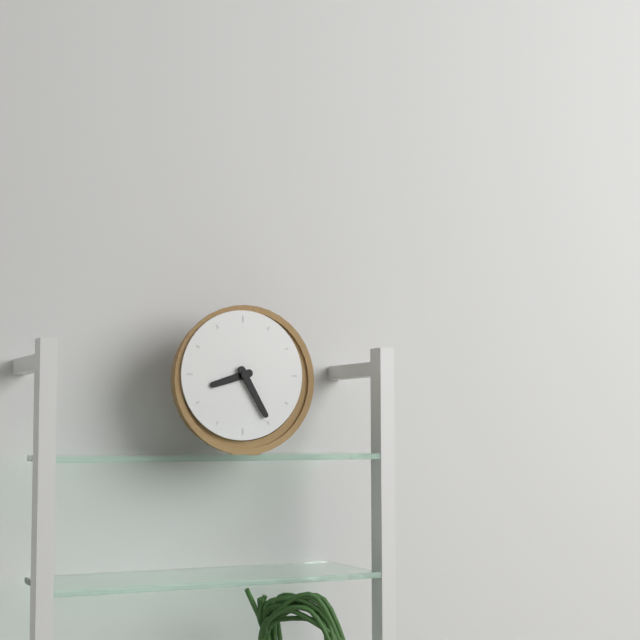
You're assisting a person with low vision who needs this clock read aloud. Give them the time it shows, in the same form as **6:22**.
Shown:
**8:25**
